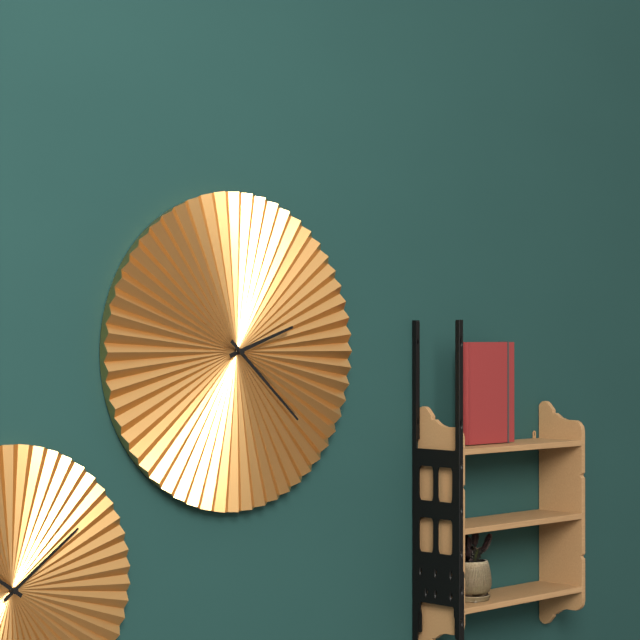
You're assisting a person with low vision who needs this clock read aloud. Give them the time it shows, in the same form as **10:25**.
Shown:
**2:22**
